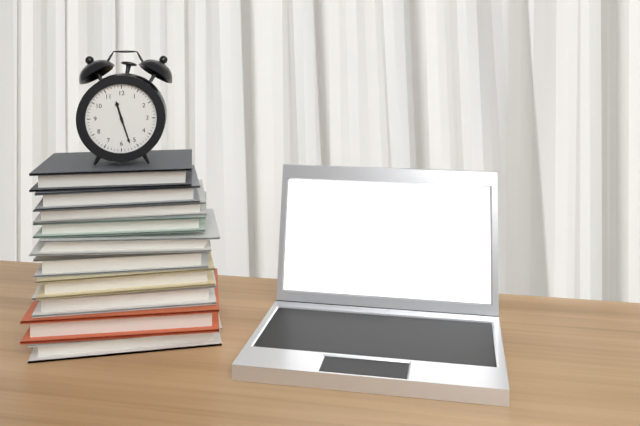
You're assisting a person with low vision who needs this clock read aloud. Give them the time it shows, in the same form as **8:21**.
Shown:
**11:27**
